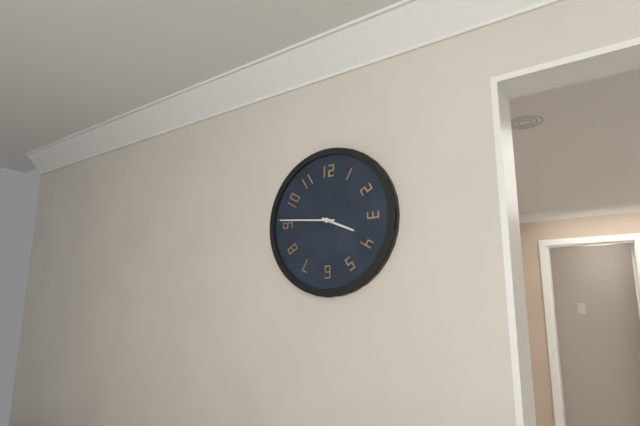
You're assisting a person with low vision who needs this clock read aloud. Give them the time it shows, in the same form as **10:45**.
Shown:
**3:46**
